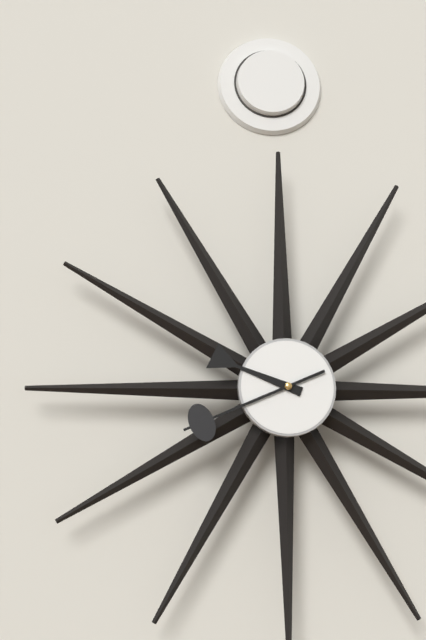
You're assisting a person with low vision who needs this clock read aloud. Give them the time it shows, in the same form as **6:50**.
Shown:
**9:41**
